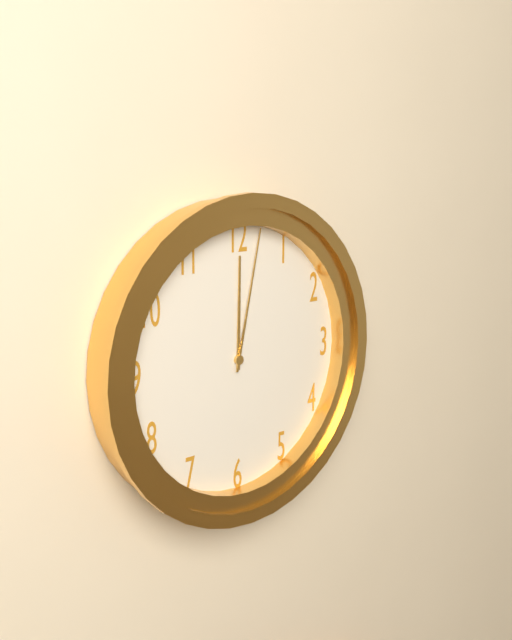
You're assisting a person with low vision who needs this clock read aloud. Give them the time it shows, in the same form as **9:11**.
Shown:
**12:02**
